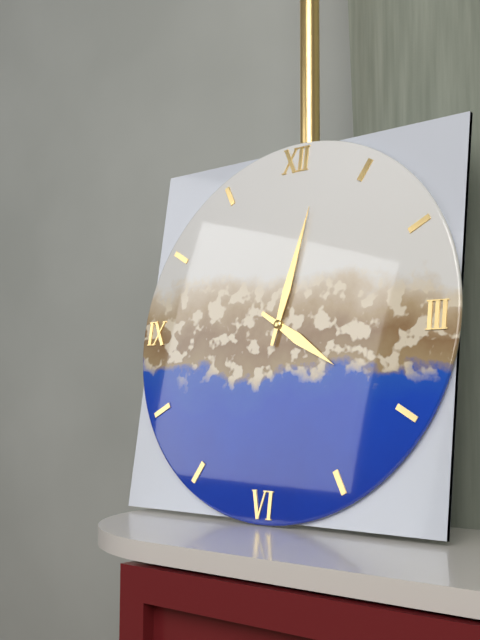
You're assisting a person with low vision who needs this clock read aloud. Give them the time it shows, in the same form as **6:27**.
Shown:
**4:02**
